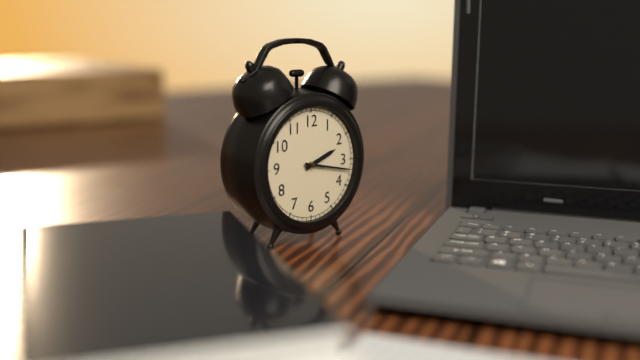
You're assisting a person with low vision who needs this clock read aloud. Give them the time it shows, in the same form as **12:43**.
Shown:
**2:17**
